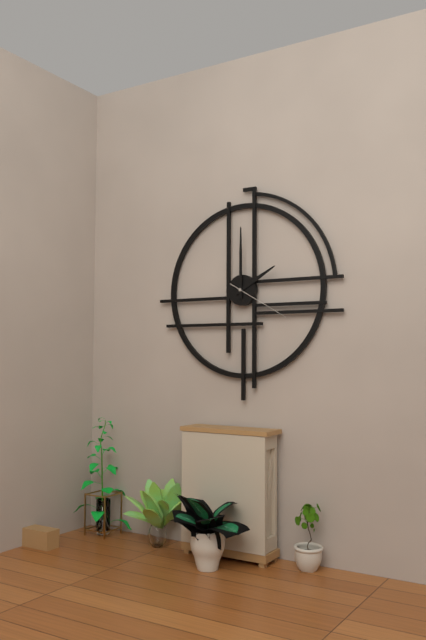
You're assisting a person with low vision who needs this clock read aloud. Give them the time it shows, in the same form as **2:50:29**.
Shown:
**2:00:20**
